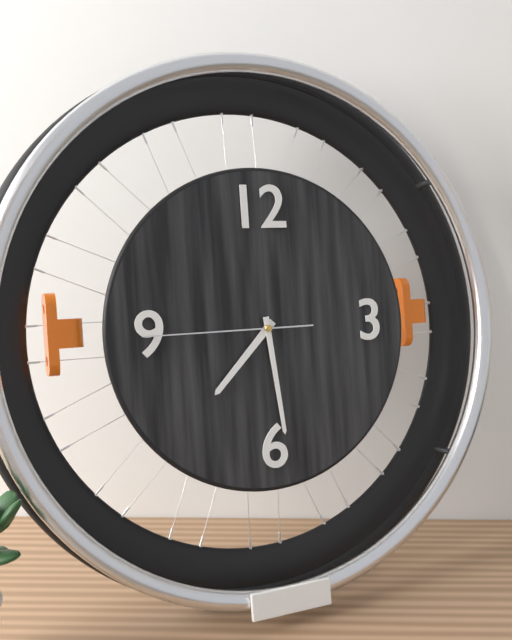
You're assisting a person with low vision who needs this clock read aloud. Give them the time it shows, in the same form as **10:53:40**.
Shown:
**7:29:45**
